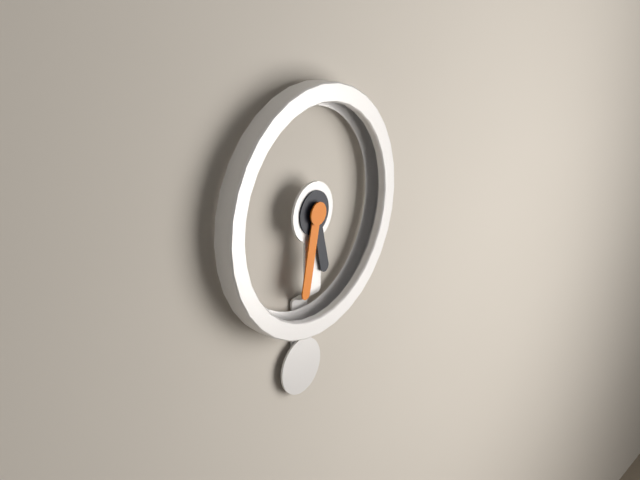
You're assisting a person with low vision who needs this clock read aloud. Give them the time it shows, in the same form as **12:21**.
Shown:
**5:32**
